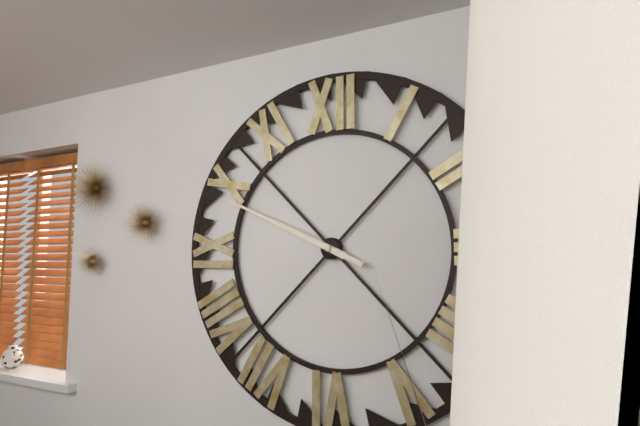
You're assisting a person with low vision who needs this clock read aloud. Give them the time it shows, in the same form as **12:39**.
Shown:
**9:49**
